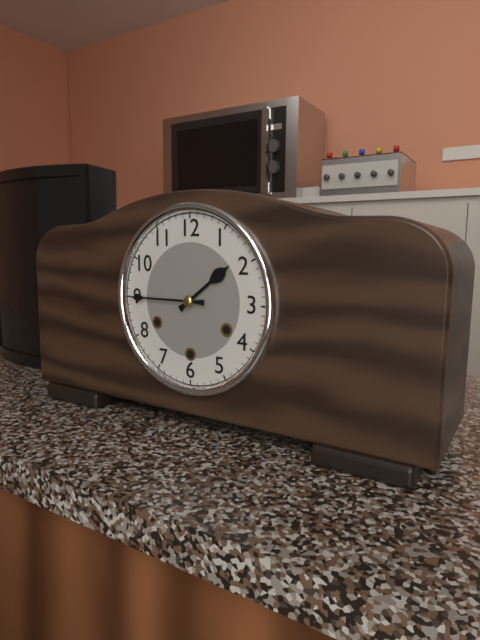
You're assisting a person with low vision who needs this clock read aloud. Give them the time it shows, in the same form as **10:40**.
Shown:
**1:45**
